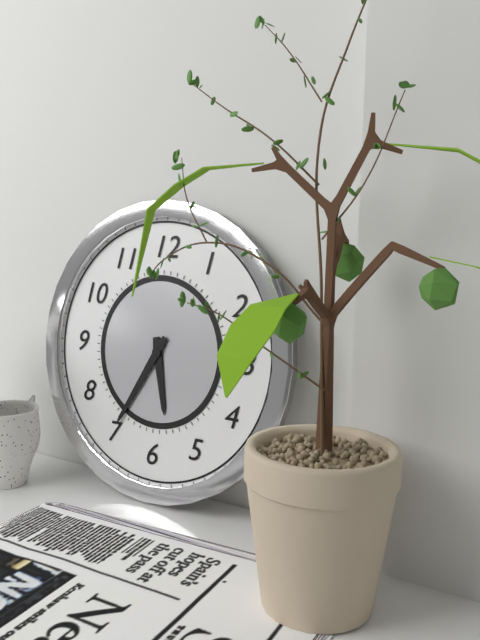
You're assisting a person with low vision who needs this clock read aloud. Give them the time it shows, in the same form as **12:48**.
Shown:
**5:35**
